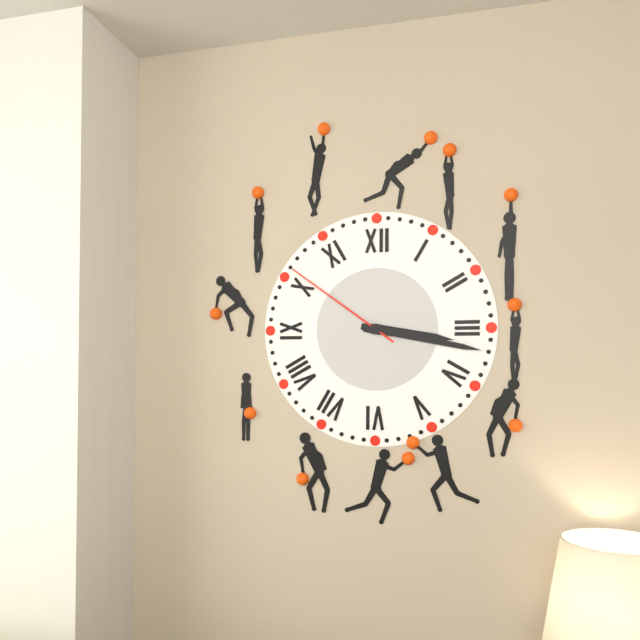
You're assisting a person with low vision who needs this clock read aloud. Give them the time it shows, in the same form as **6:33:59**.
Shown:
**3:17:51**
